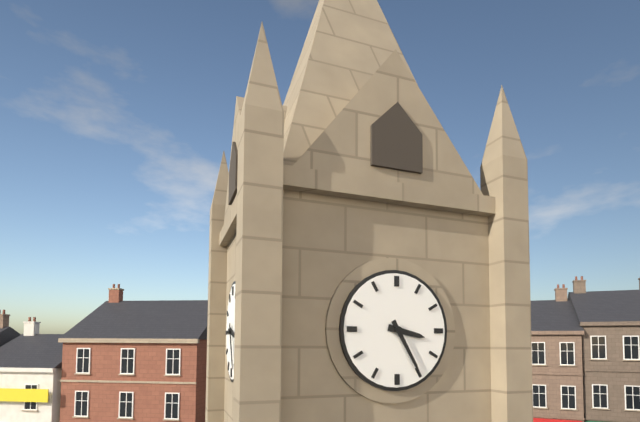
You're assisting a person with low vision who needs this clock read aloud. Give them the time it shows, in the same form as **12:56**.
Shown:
**3:25**
